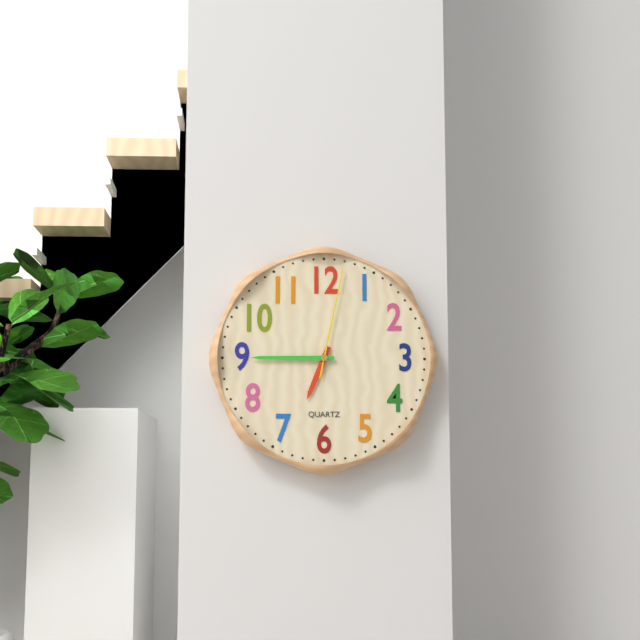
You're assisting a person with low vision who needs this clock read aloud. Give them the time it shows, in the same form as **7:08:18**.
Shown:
**6:45:02**
